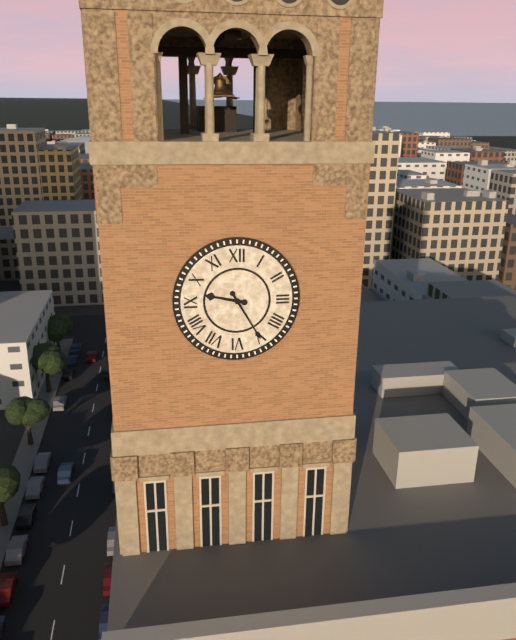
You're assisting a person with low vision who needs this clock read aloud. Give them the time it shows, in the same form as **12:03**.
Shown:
**9:25**
